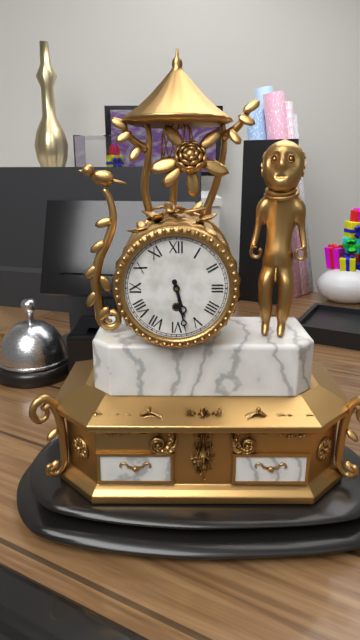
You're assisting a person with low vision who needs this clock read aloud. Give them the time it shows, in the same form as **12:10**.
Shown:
**5:28**
